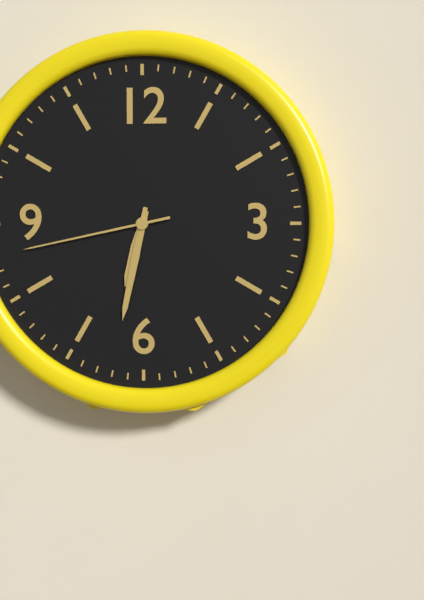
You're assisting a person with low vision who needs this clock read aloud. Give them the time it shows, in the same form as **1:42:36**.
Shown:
**6:32:43**
